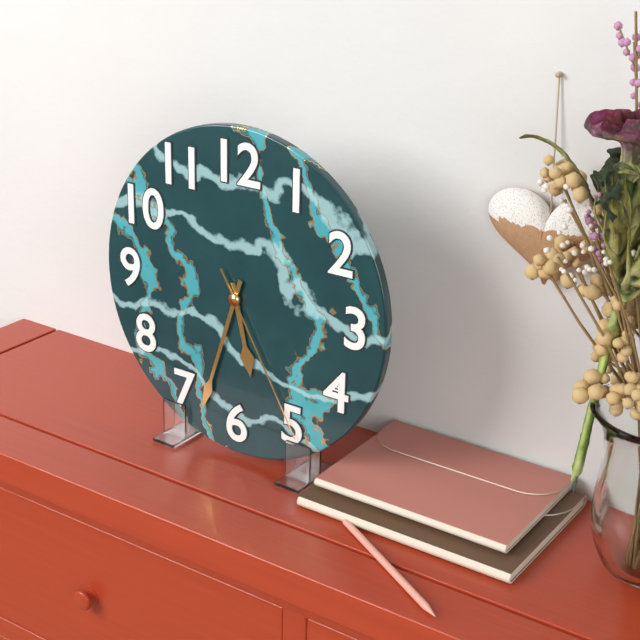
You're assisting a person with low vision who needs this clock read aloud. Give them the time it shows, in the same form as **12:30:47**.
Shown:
**5:33:25**
